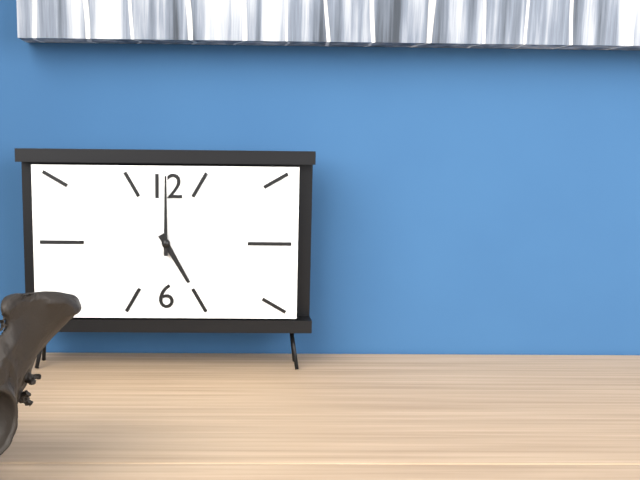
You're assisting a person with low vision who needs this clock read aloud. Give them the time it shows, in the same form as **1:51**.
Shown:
**5:00**
